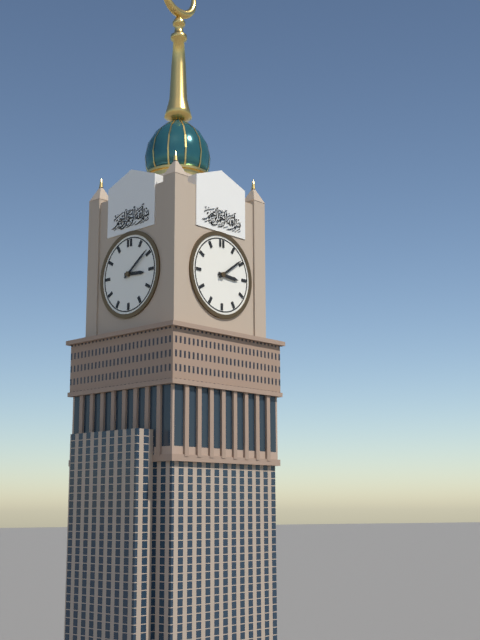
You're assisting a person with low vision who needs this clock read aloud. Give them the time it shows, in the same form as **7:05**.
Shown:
**3:09**
